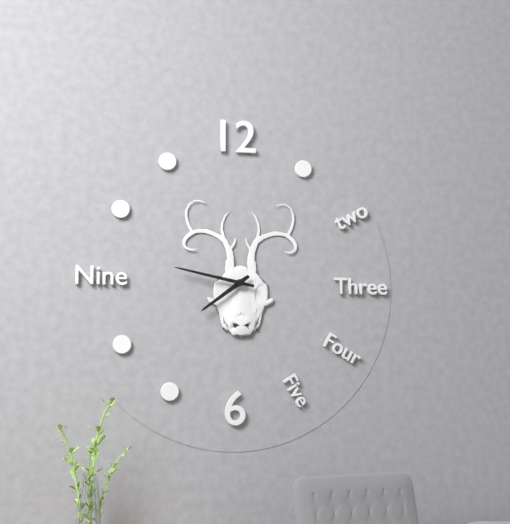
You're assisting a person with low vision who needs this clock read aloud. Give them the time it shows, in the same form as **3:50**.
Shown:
**7:47**
